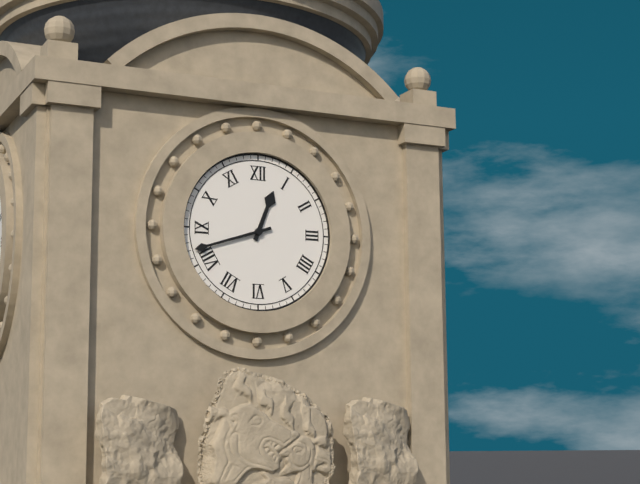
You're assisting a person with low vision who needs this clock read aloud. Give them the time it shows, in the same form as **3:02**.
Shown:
**12:42**
